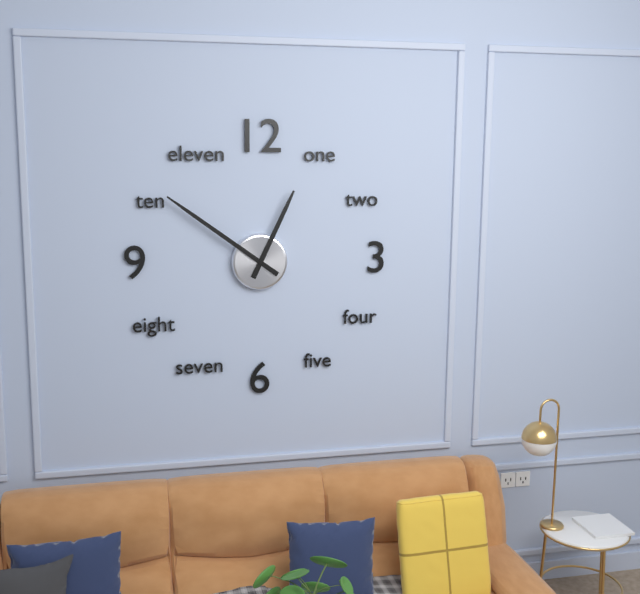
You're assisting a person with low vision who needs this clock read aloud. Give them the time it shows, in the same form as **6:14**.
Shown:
**12:51**
